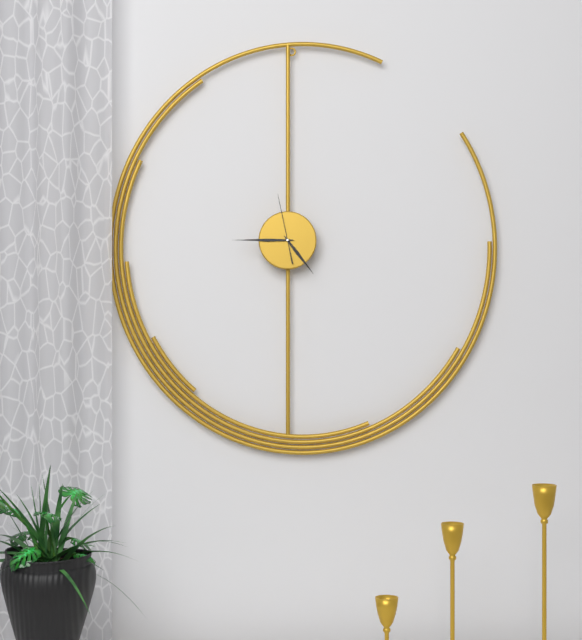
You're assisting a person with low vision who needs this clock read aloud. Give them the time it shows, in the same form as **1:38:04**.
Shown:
**4:45:58**
